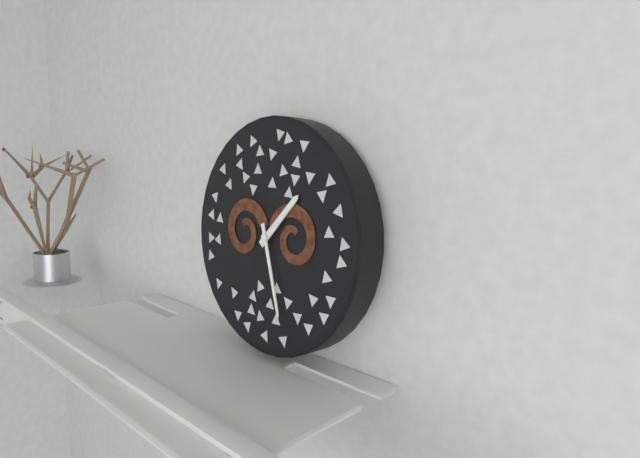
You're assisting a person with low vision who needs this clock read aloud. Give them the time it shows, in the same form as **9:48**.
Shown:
**1:27**
